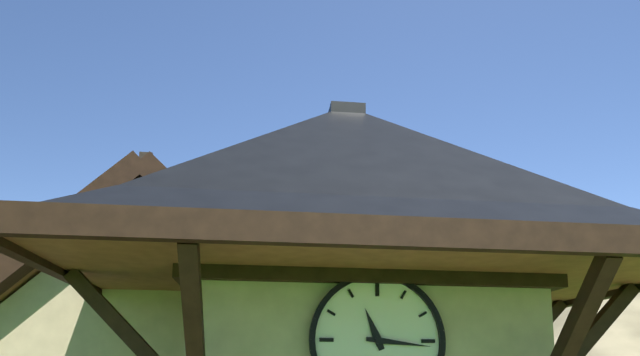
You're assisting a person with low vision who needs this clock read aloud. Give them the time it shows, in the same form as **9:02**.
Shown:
**11:16**
